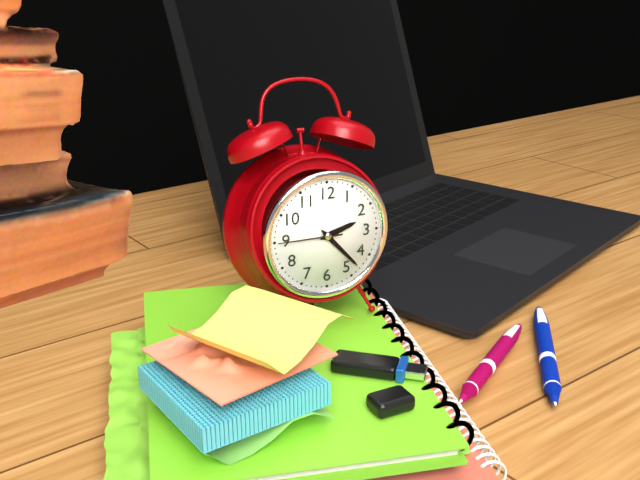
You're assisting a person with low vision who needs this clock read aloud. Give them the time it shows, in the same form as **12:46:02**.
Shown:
**2:23:45**
